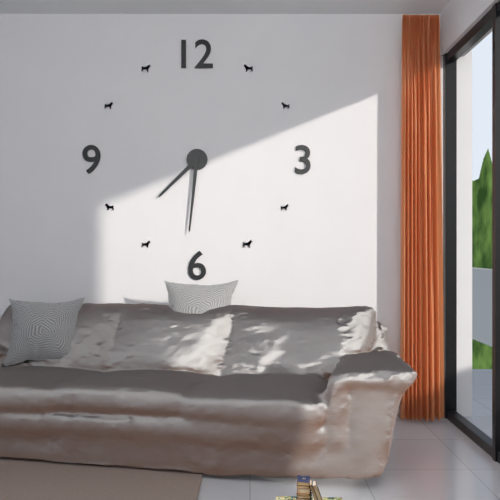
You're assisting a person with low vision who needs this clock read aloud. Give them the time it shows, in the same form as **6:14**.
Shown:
**7:31**
